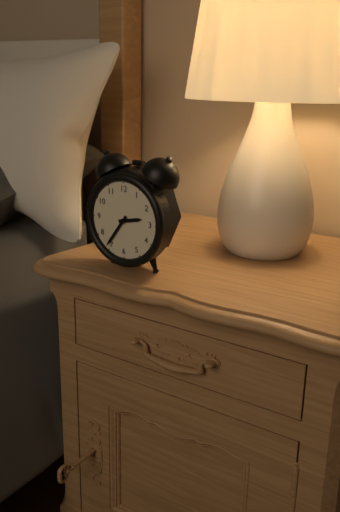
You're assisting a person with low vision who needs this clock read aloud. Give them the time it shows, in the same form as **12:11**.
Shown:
**2:36**
